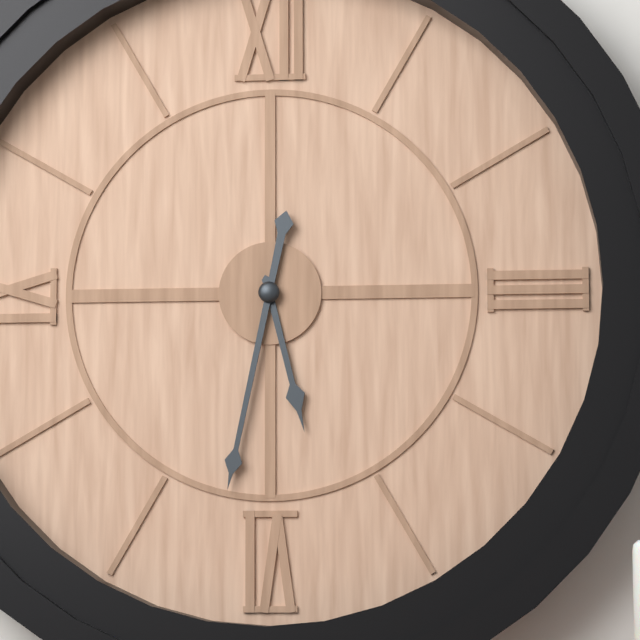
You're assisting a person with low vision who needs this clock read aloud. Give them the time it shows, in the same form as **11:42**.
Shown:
**5:32**
